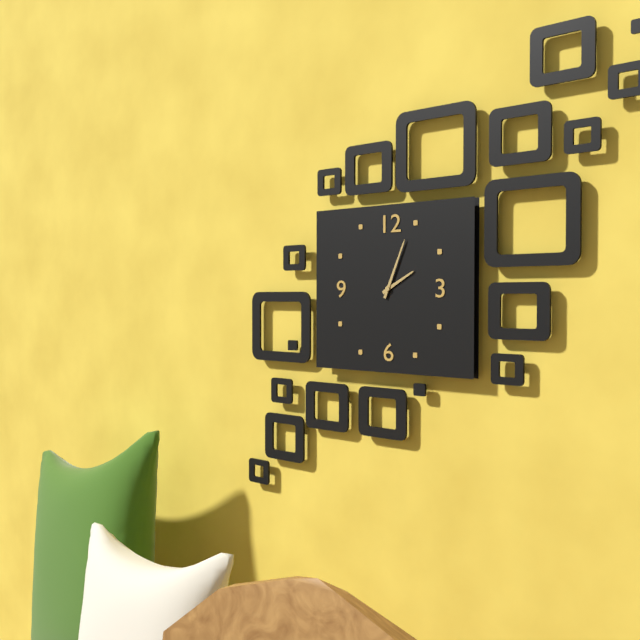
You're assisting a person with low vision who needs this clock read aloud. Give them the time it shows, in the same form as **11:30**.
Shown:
**2:04**
